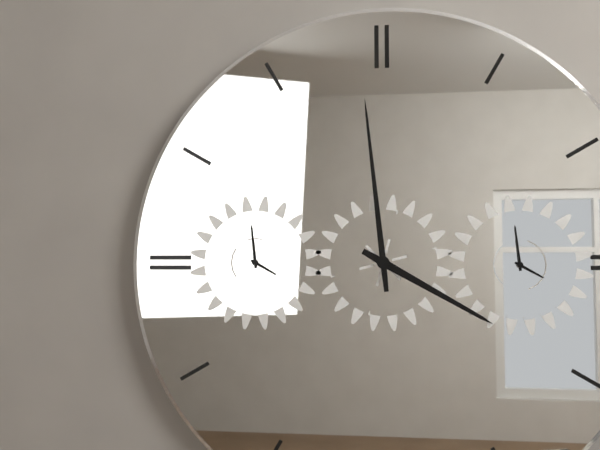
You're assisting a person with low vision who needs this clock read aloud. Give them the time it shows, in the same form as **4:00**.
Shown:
**3:59**
